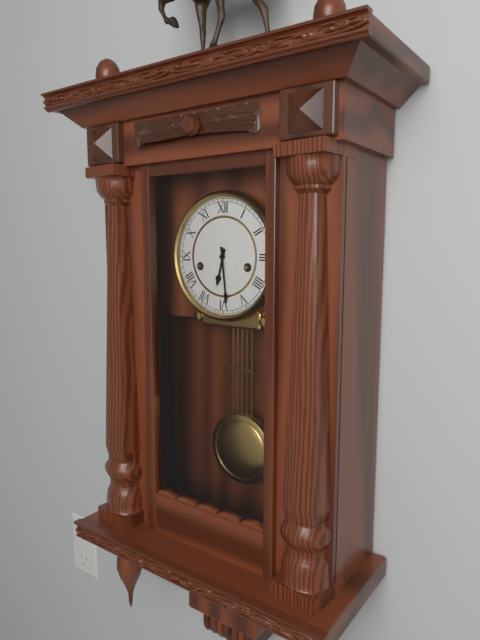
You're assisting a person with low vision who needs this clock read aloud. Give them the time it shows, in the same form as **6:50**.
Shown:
**6:29**
